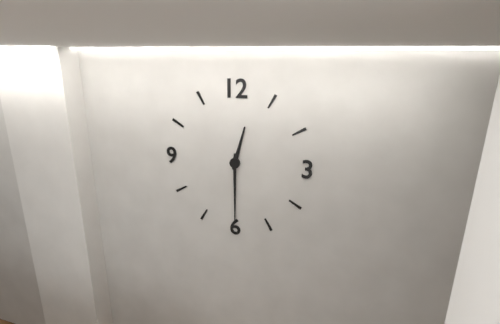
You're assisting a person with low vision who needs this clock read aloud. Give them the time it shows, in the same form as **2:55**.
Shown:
**12:30**
